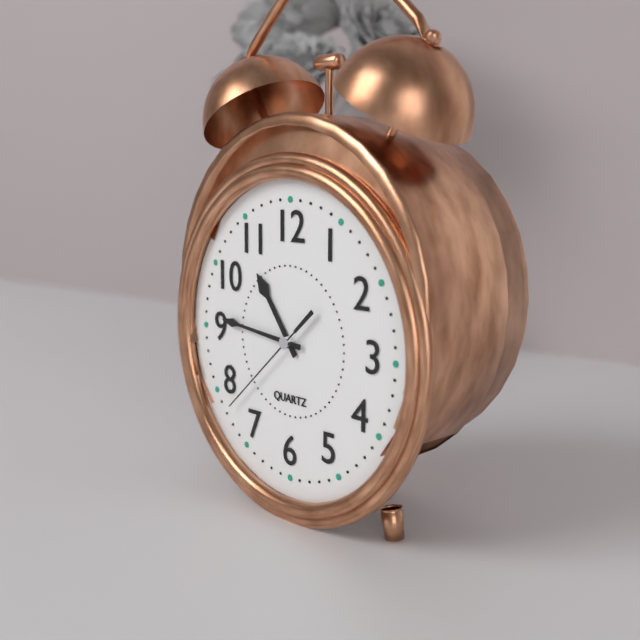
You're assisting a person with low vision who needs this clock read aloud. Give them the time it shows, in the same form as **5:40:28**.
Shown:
**10:46:38**
